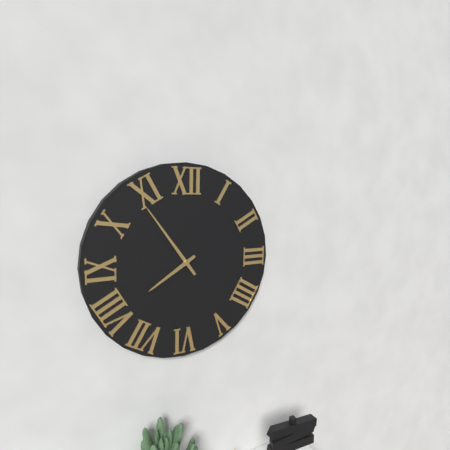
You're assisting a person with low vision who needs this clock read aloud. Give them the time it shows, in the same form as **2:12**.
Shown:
**7:54**
